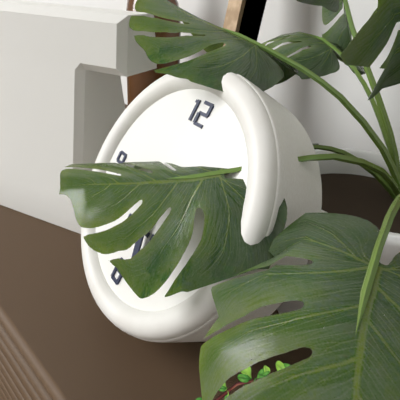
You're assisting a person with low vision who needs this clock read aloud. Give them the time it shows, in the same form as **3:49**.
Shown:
**1:27**
